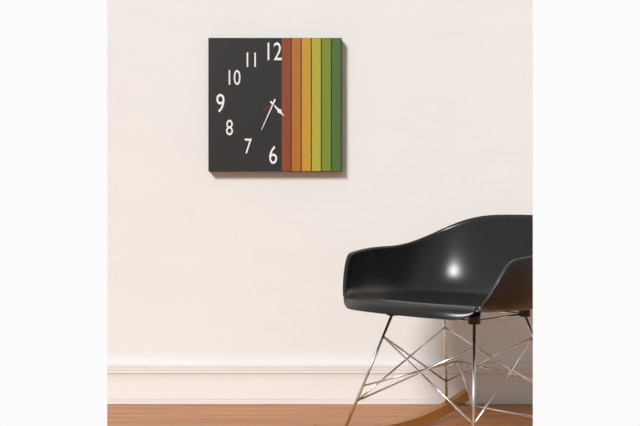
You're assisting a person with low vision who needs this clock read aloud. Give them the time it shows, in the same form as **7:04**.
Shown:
**4:34**
